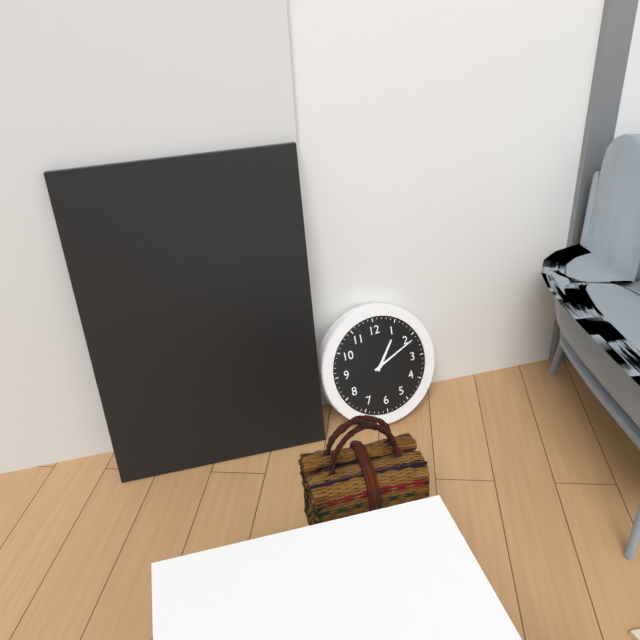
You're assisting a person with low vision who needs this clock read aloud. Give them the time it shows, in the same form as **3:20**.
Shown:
**1:11**
